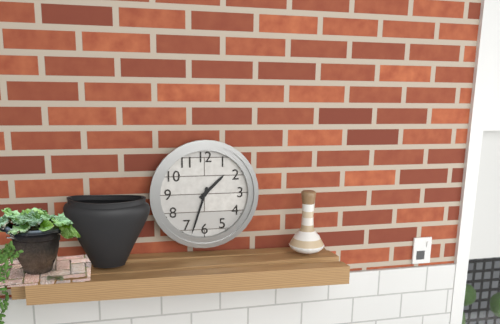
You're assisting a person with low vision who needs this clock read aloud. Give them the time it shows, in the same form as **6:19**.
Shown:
**1:33**
